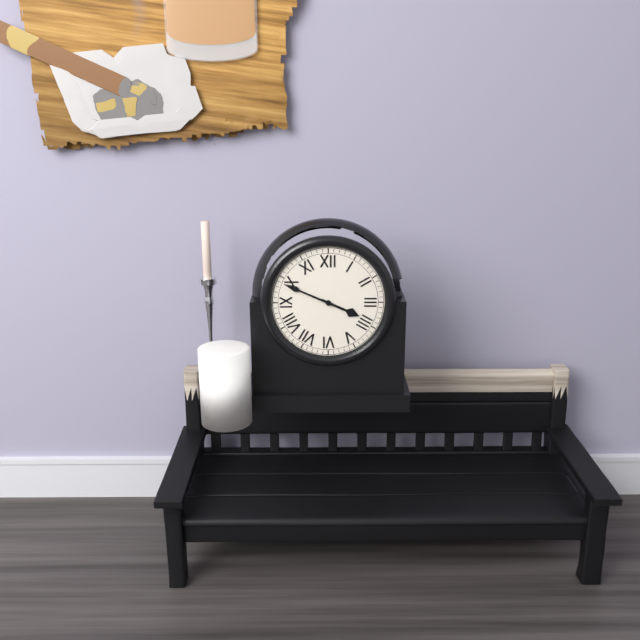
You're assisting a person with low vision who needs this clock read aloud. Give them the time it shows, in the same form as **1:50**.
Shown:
**3:49**
